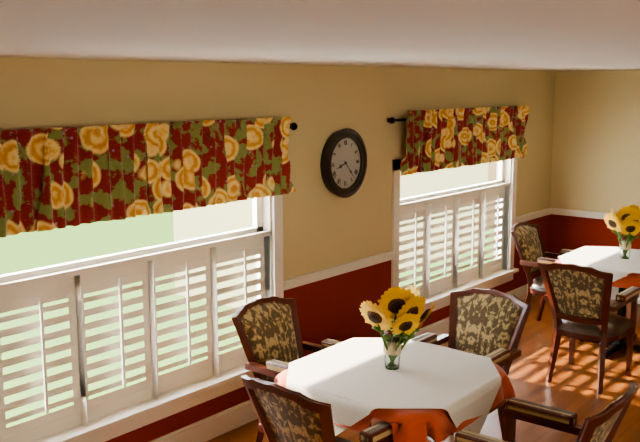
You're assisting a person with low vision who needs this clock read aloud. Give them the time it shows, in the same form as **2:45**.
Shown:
**8:23**
